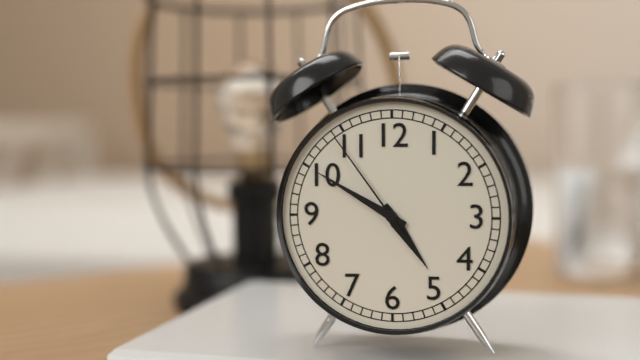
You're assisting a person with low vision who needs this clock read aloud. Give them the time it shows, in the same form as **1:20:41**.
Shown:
**4:50:54**
